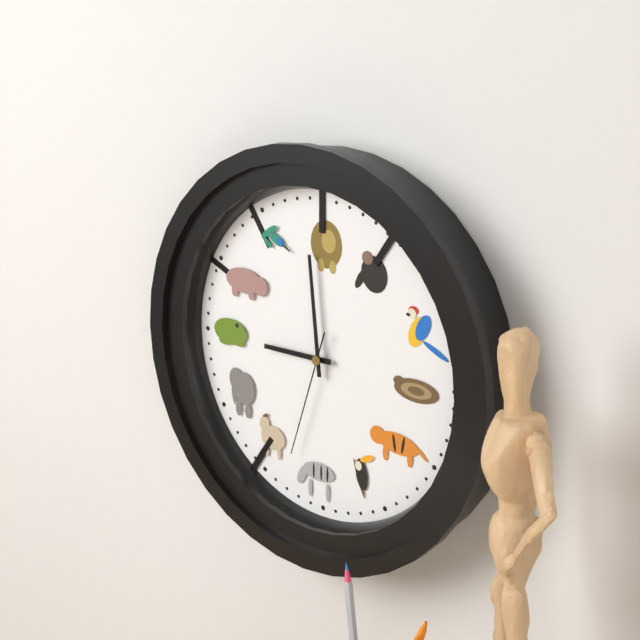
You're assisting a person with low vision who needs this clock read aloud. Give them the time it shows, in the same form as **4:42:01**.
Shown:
**8:59:33**
